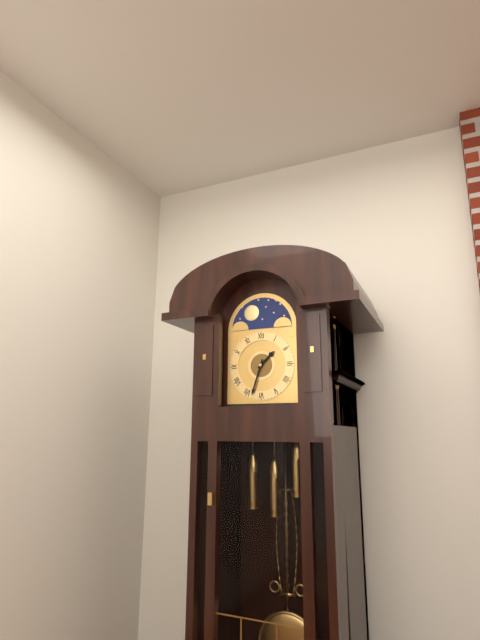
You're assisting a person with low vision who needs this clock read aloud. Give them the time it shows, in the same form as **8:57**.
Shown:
**1:33**
